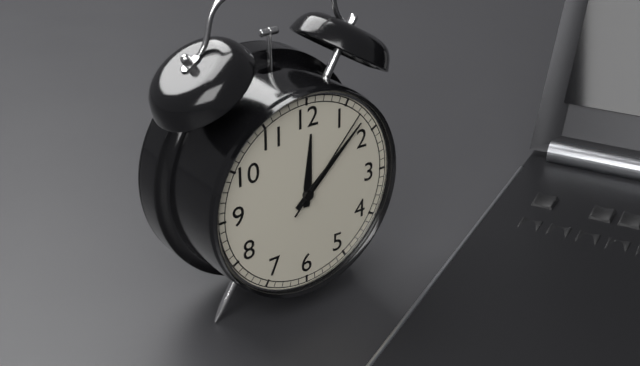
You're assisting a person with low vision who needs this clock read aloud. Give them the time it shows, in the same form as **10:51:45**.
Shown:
**12:08:07**
